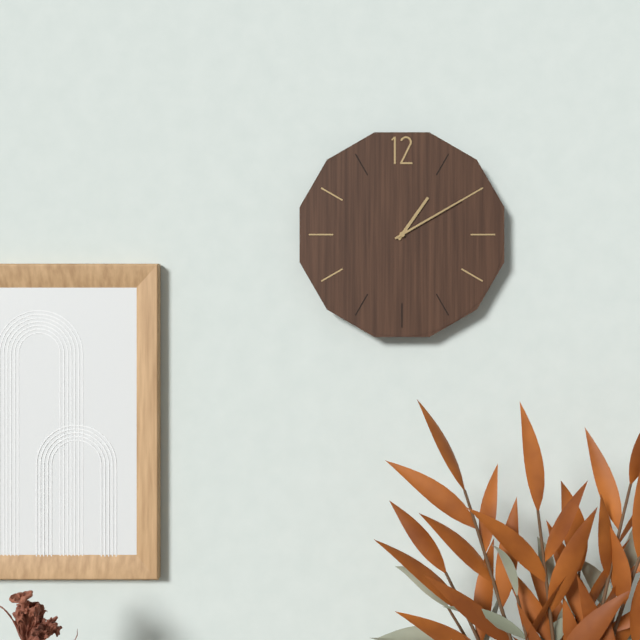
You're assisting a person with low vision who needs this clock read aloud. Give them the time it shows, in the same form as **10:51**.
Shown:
**1:10**
